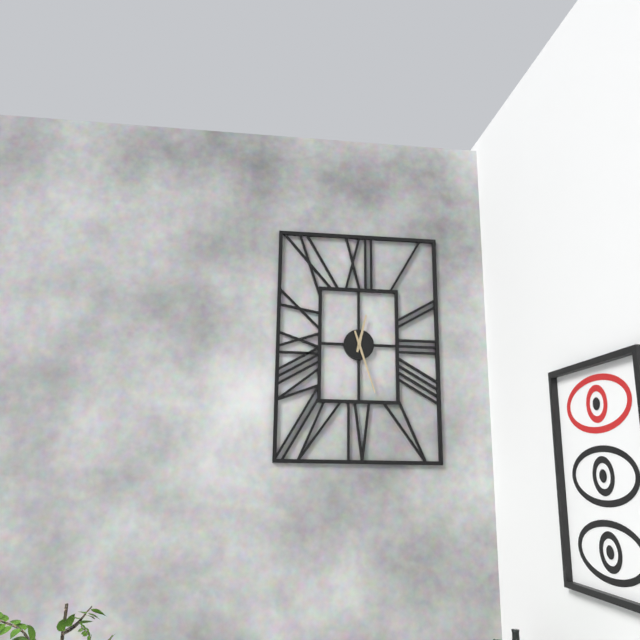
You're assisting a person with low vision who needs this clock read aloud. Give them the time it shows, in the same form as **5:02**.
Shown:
**12:27**
